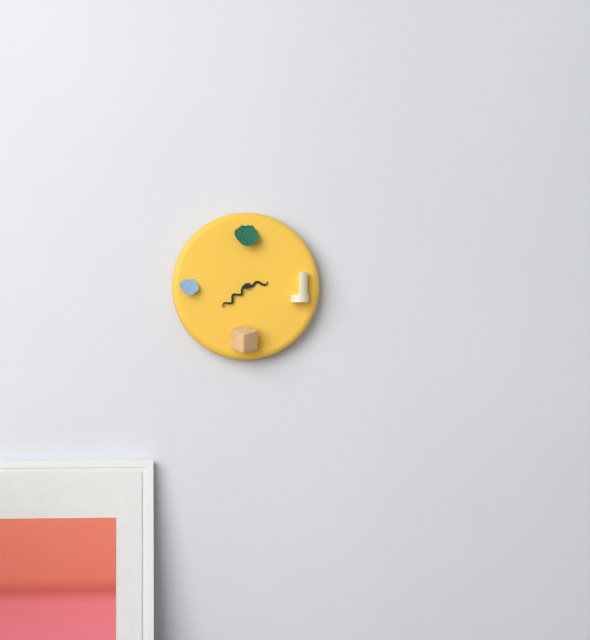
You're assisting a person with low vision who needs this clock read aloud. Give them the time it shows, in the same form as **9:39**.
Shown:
**2:38**
